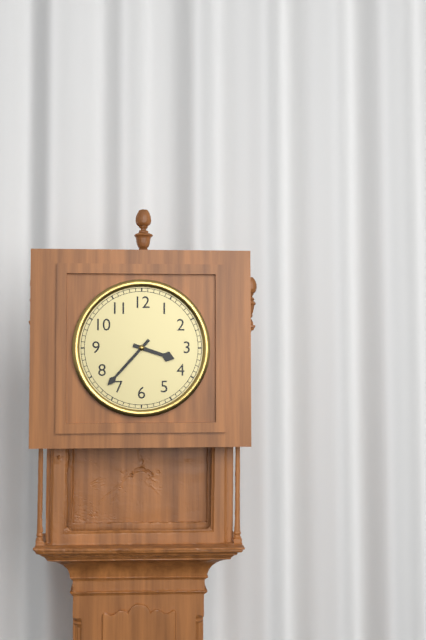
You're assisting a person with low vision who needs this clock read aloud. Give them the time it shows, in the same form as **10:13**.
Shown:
**3:37**
